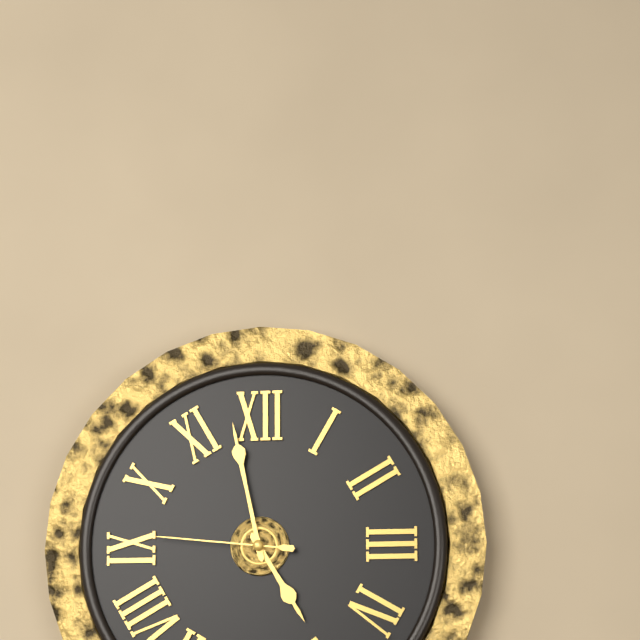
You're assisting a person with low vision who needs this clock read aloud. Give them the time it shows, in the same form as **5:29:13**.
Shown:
**4:58:46**
